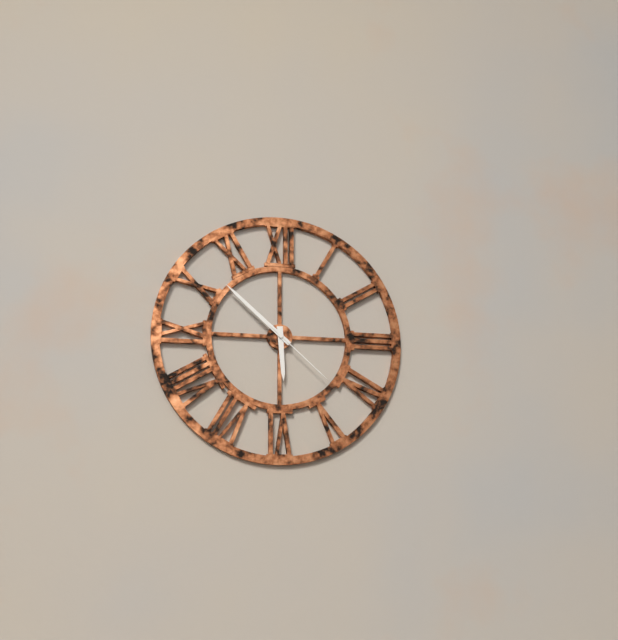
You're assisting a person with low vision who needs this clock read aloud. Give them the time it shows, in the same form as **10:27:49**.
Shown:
**5:52:22**
